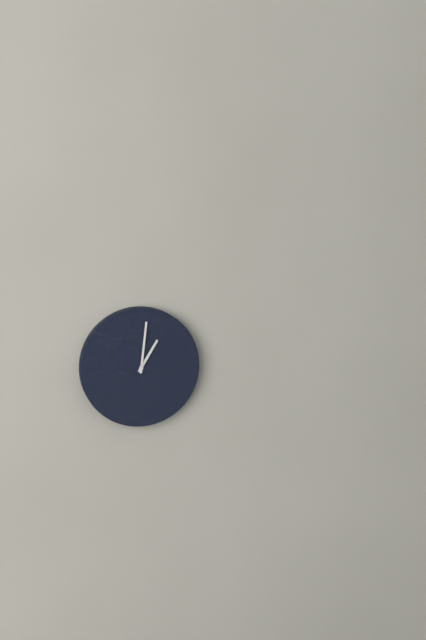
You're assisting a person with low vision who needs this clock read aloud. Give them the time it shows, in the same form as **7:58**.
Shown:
**1:01**
